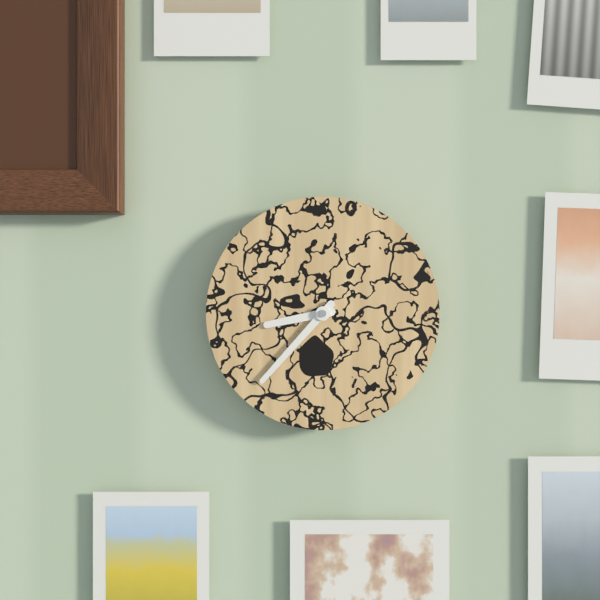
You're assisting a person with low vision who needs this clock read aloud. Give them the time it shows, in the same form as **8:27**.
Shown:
**8:37**
